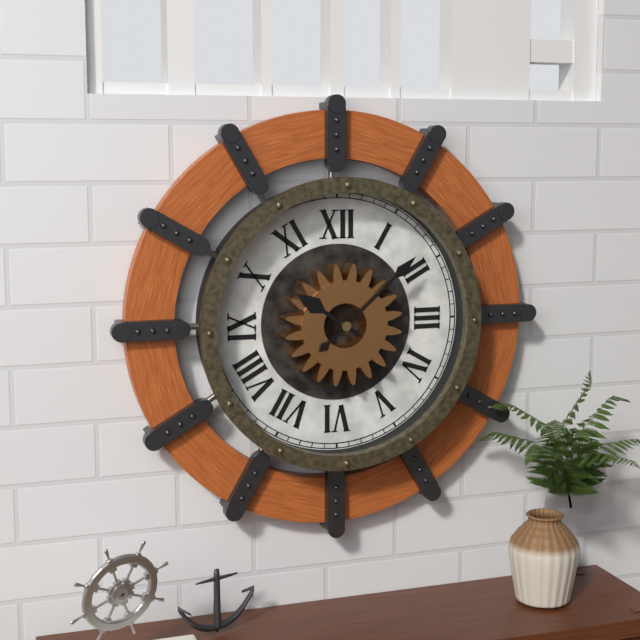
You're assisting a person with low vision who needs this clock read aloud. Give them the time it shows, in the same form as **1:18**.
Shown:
**10:08**
